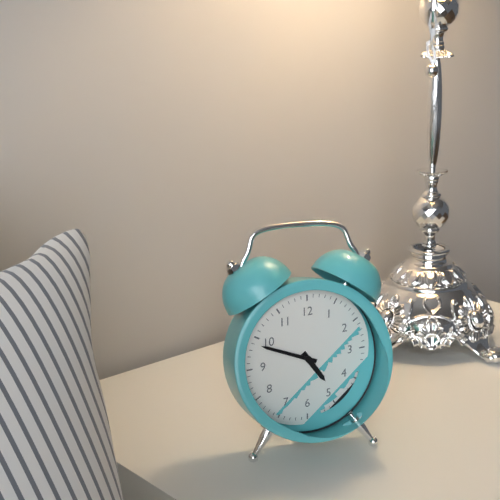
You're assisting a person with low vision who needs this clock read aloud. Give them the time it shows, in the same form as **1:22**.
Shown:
**4:49**
